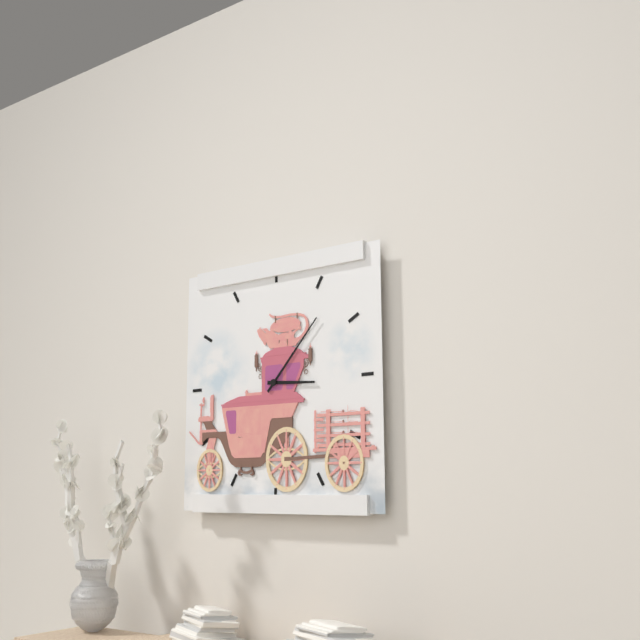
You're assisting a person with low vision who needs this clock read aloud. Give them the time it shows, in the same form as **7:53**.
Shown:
**3:07**
